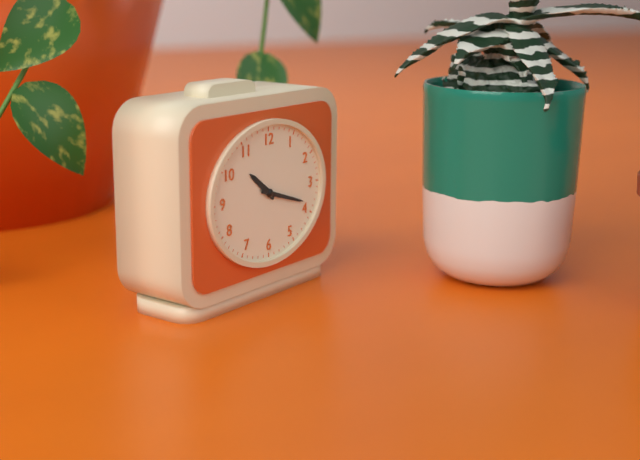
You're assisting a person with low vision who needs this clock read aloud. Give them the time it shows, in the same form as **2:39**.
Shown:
**10:18**
